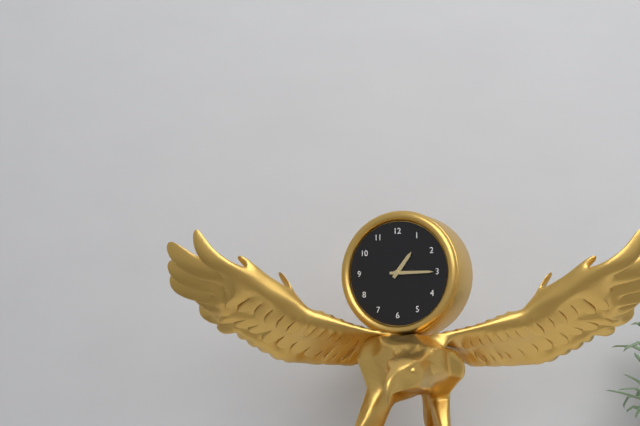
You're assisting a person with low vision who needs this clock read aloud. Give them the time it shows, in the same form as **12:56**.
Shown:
**1:15**
